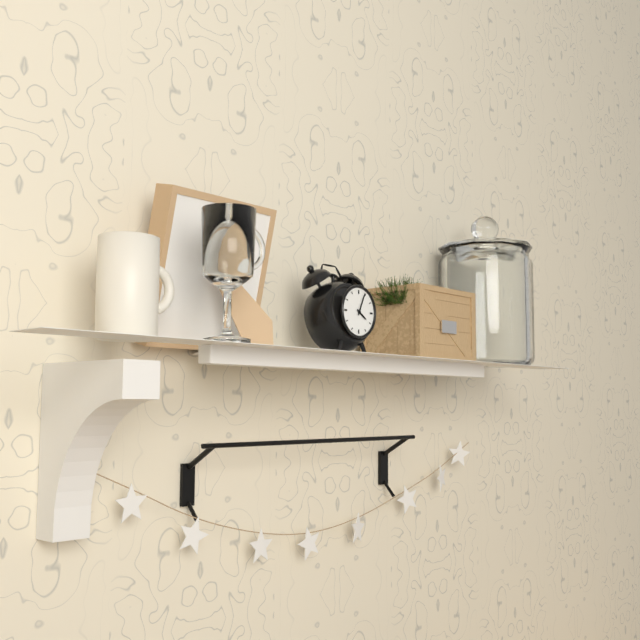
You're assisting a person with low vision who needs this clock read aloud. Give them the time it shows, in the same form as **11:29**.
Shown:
**4:04**
